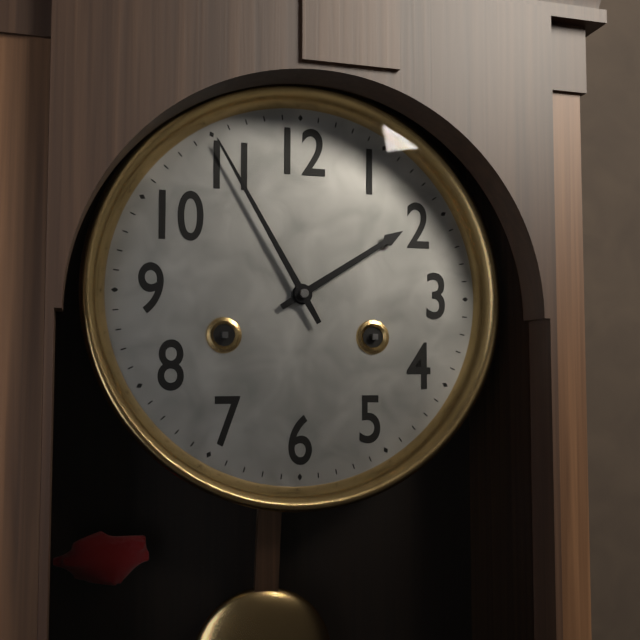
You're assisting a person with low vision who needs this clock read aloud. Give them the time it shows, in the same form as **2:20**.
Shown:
**1:55**
